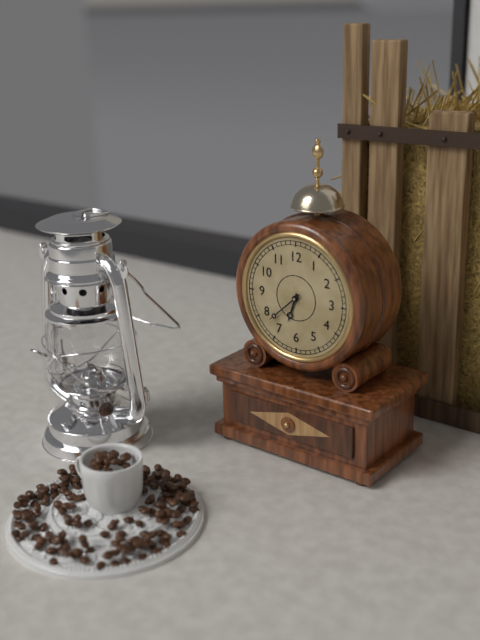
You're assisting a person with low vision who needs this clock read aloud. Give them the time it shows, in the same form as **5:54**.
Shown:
**6:38**
